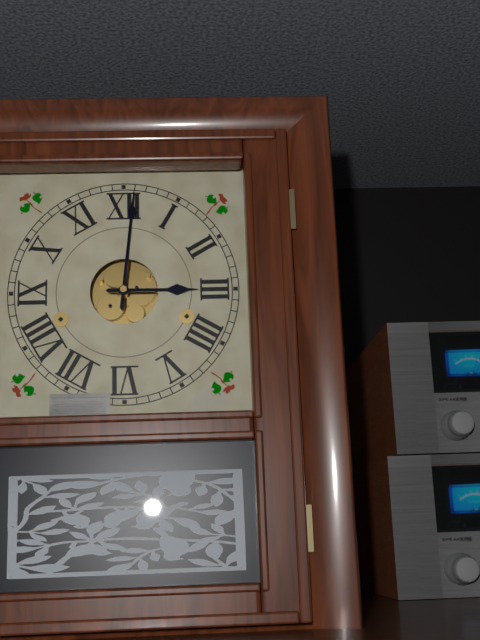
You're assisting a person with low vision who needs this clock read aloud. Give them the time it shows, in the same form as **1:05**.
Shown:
**3:01**
